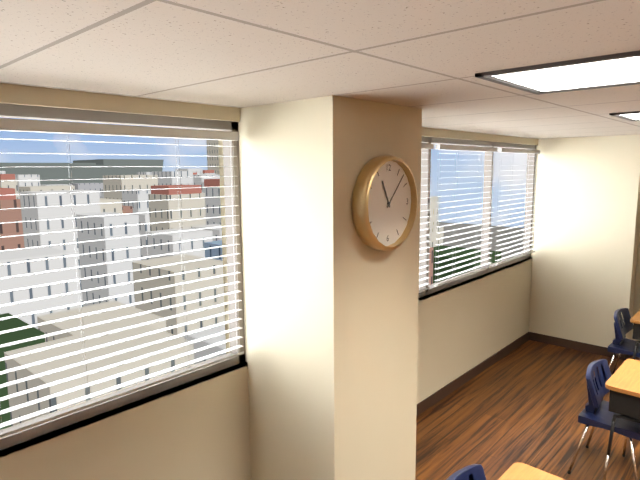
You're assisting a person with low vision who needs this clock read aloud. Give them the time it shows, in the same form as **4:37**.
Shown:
**11:07**
